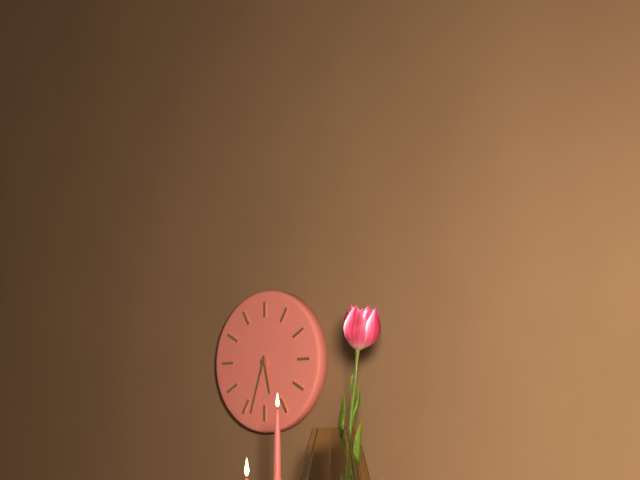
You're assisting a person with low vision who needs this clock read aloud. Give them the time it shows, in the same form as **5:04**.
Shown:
**5:33**
